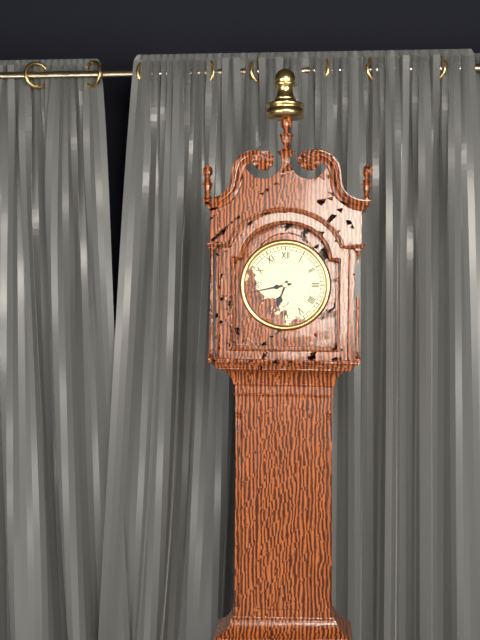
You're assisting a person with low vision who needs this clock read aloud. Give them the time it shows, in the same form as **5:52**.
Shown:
**6:43**
